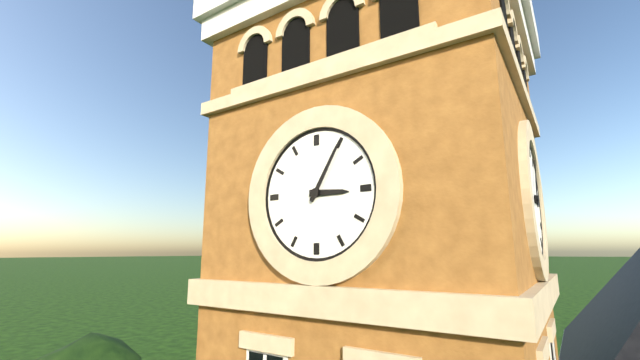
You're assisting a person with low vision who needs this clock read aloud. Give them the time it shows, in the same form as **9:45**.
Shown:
**3:05**
